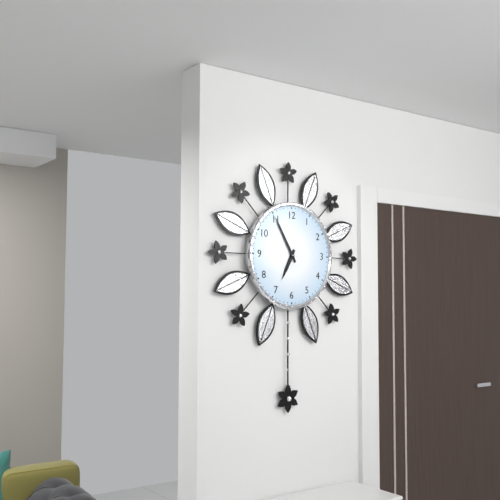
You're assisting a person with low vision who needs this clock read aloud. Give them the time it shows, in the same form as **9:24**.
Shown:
**6:55**
